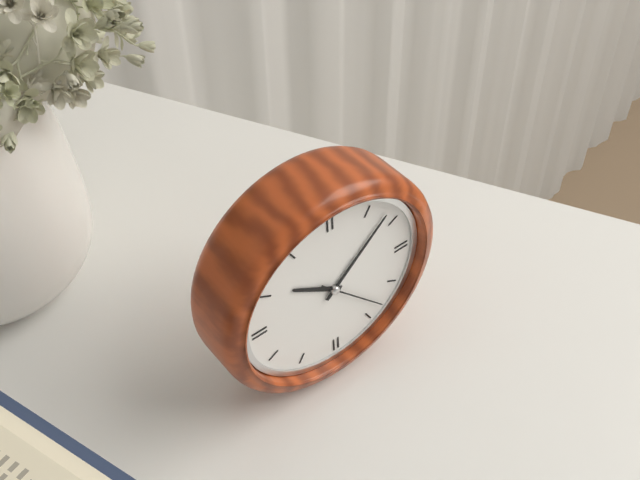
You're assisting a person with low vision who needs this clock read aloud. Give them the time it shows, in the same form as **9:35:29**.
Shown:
**10:08:23**
